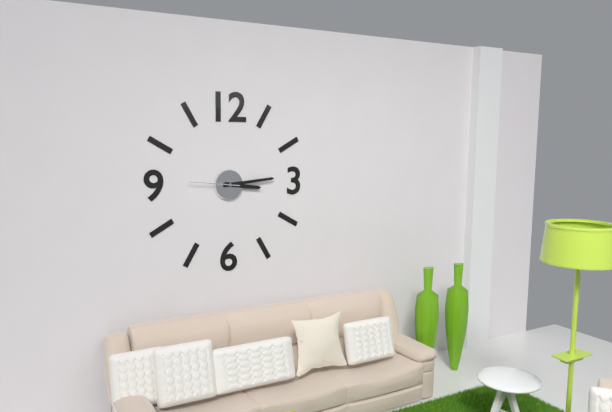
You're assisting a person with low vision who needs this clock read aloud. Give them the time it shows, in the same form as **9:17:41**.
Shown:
**3:14:46**
